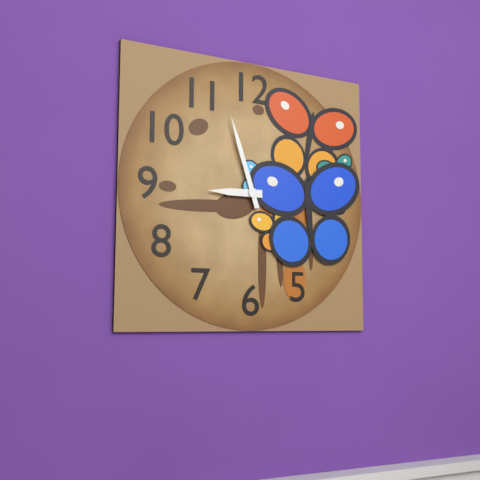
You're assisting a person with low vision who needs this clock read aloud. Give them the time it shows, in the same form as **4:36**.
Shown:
**8:57**
